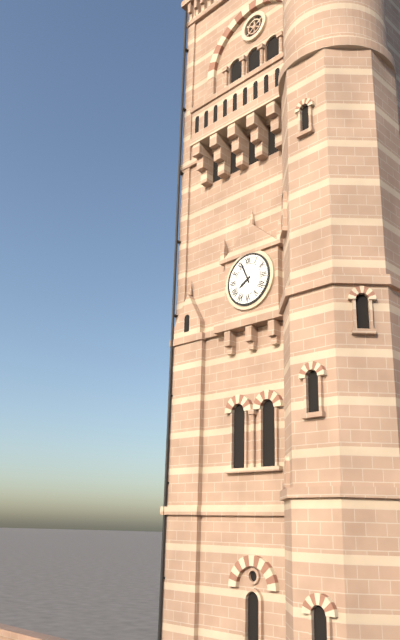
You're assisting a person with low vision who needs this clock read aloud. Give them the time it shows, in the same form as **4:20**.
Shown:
**7:56**
